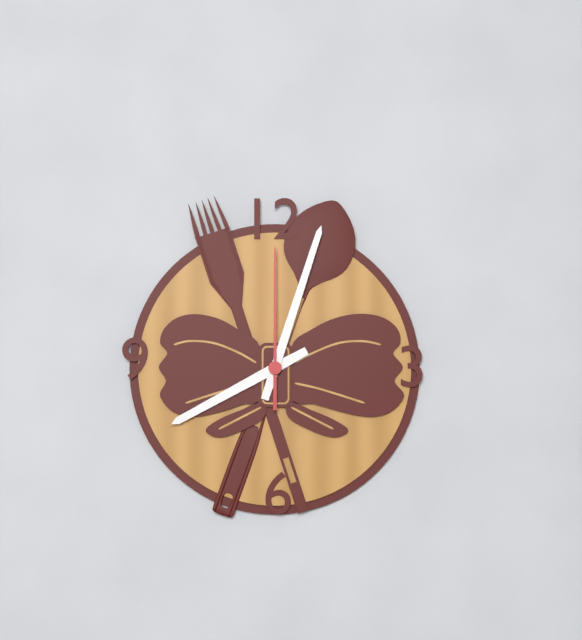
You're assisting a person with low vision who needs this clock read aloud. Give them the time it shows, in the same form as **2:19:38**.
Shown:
**8:03:00**
